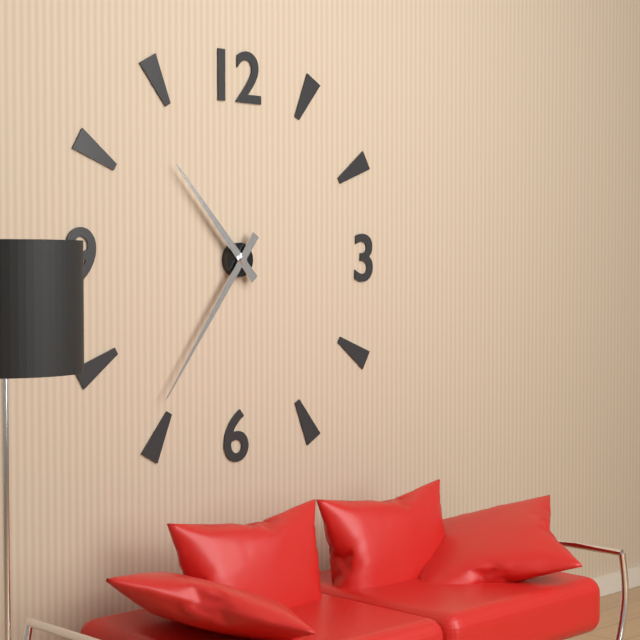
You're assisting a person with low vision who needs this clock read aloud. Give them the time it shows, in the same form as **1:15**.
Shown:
**10:36**
